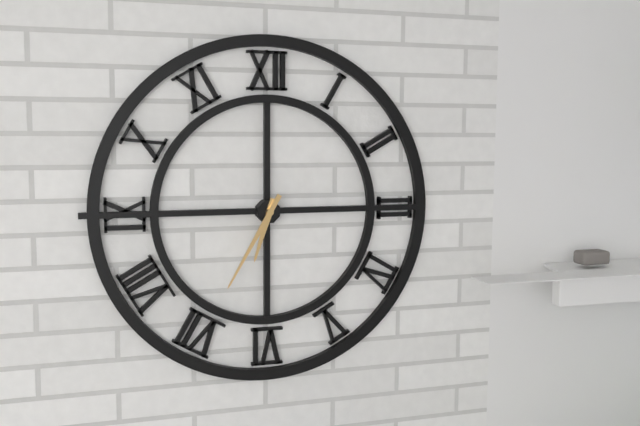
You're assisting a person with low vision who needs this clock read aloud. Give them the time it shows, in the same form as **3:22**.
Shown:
**6:35**
